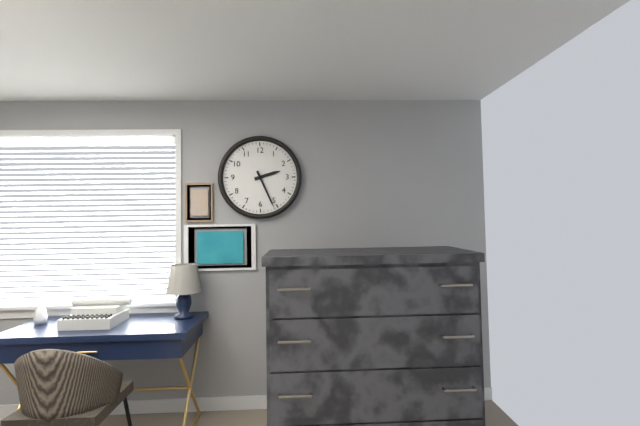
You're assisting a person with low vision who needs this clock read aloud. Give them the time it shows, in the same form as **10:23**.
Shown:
**2:26**
